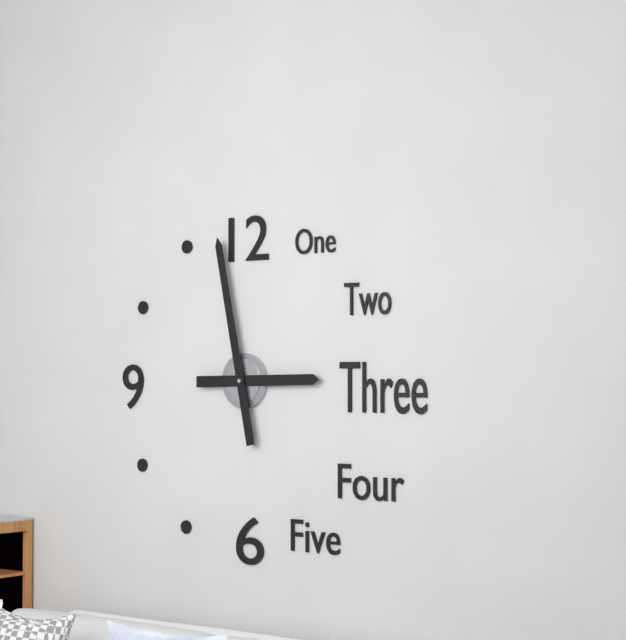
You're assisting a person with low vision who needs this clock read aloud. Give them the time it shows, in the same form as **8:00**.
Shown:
**2:58**
